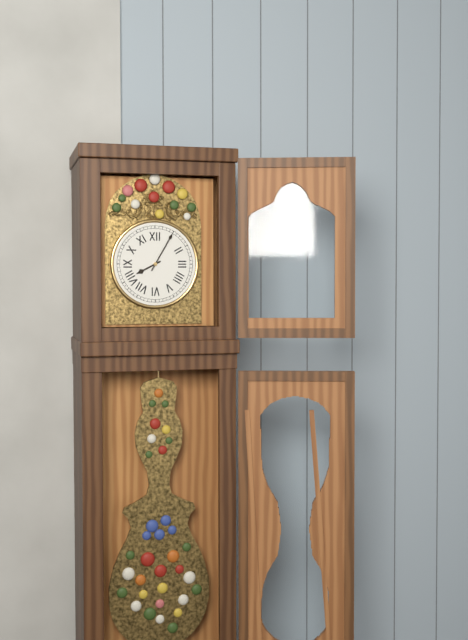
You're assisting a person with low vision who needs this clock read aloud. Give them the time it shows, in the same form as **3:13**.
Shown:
**8:05**
